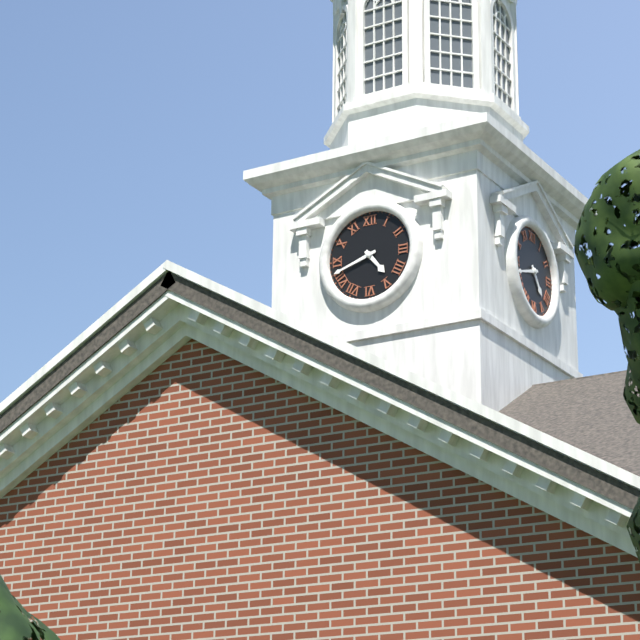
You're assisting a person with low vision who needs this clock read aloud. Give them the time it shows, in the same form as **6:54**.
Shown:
**4:42**
